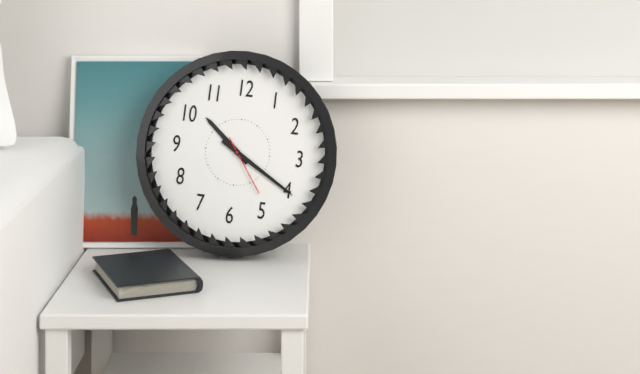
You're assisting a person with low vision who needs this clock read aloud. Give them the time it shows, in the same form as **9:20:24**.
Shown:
**10:20:24**
